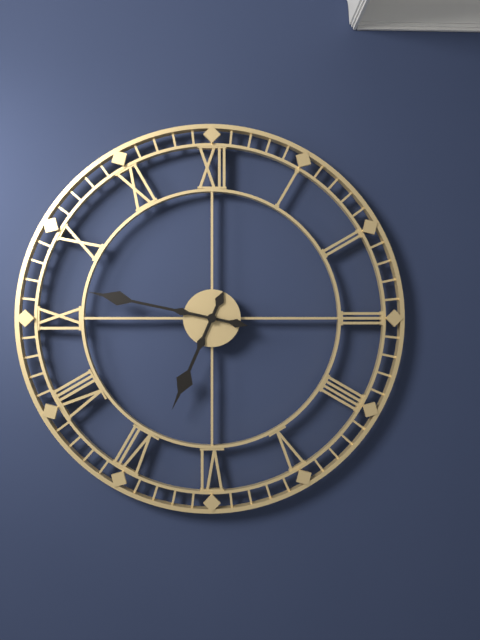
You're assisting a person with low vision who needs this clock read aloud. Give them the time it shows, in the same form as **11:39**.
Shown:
**6:47**
